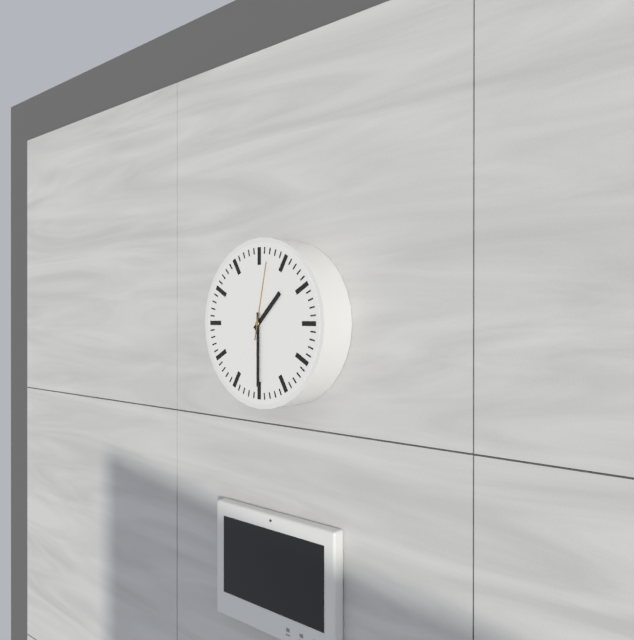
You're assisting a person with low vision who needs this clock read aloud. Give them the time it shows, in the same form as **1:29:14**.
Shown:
**1:30:02**
